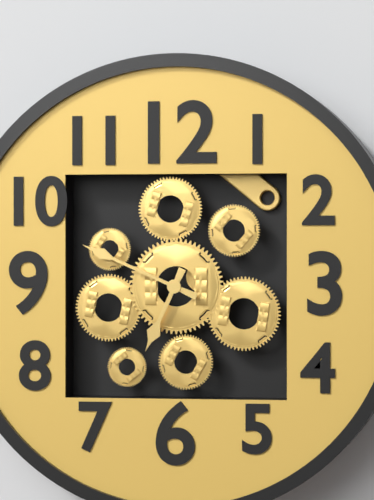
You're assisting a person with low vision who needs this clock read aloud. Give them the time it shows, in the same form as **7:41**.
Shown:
**6:49**
